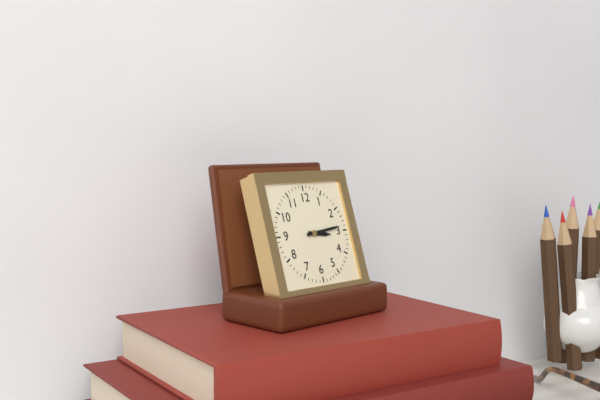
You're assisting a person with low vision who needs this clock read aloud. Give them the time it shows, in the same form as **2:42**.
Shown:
**3:14**
